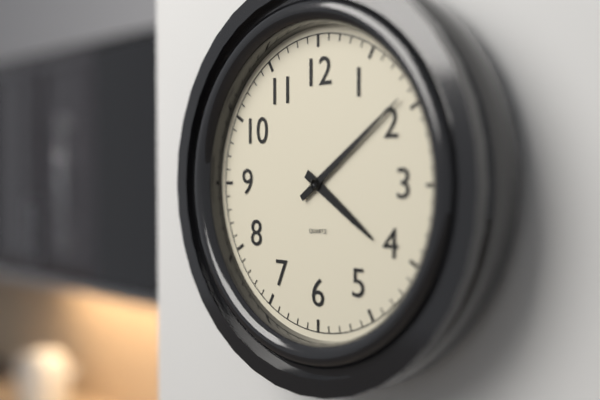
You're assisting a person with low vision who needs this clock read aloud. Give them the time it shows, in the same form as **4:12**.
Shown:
**4:09**
